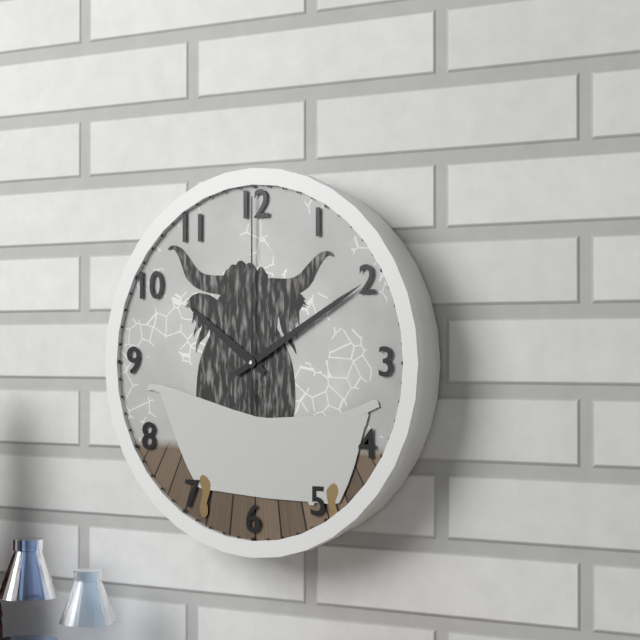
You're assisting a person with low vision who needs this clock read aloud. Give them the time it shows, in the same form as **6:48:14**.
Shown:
**10:10:00**
